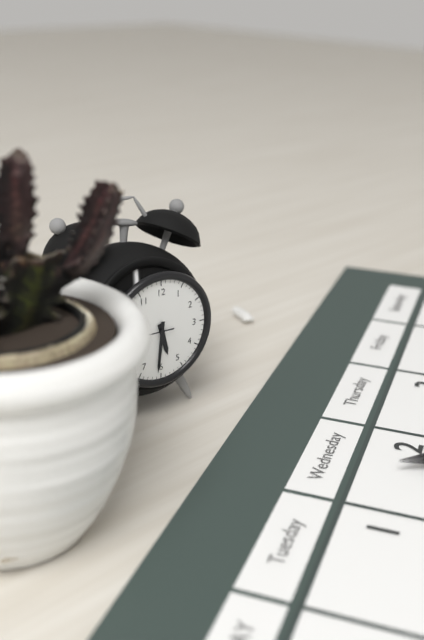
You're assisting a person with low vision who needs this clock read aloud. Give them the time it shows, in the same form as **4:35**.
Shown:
**5:31**
